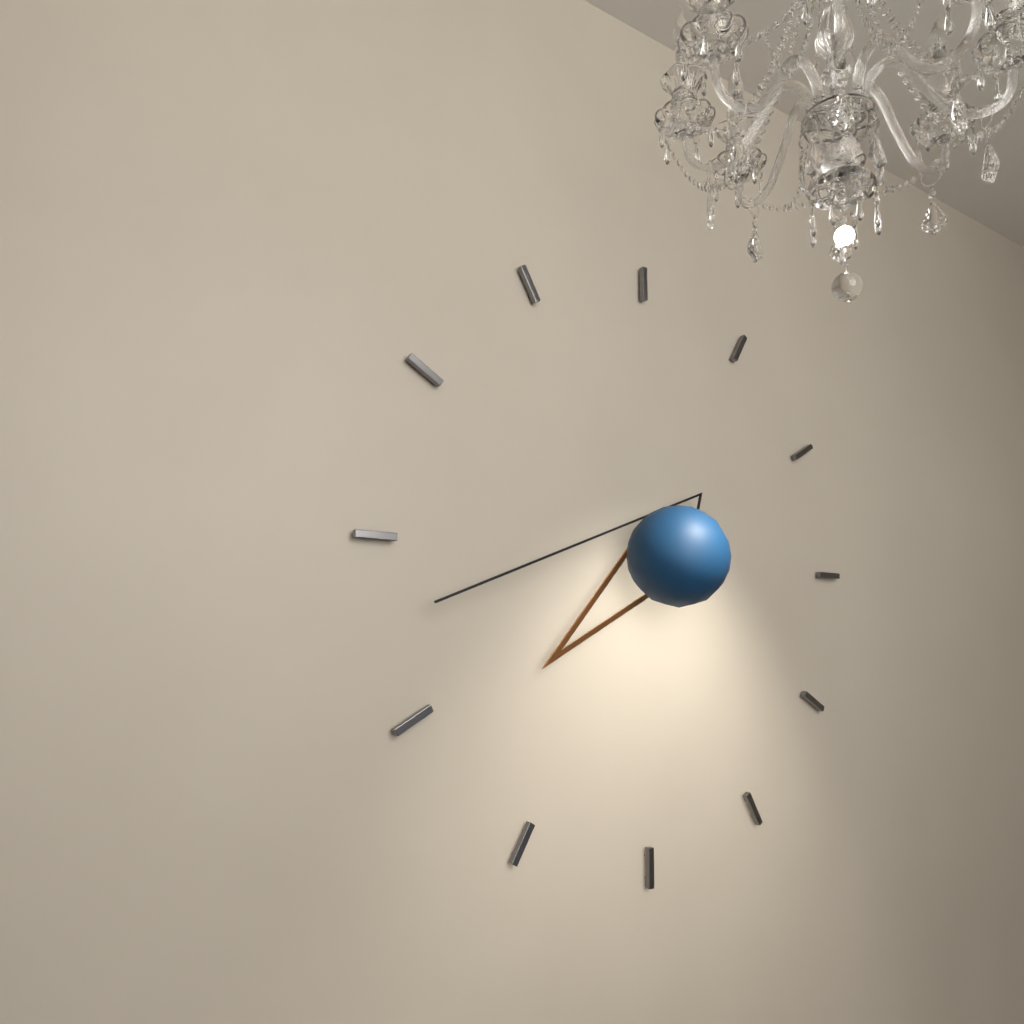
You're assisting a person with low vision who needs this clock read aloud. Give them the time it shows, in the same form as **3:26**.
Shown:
**7:43**
